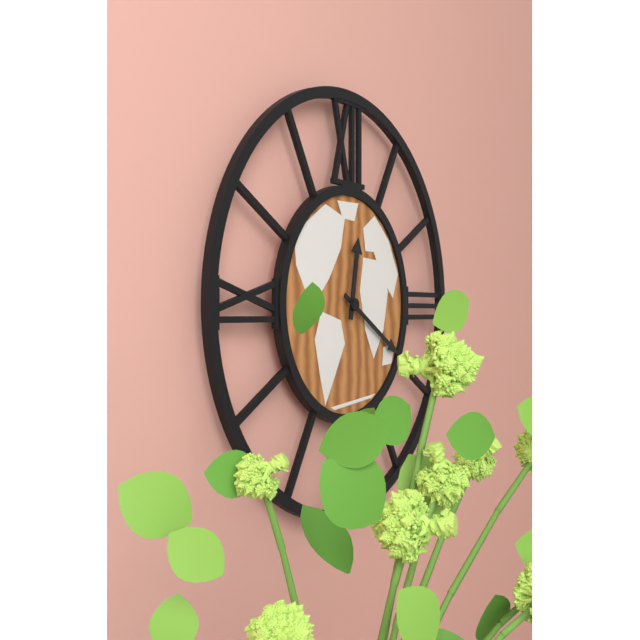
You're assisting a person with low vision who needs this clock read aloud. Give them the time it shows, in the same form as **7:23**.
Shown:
**12:20**
